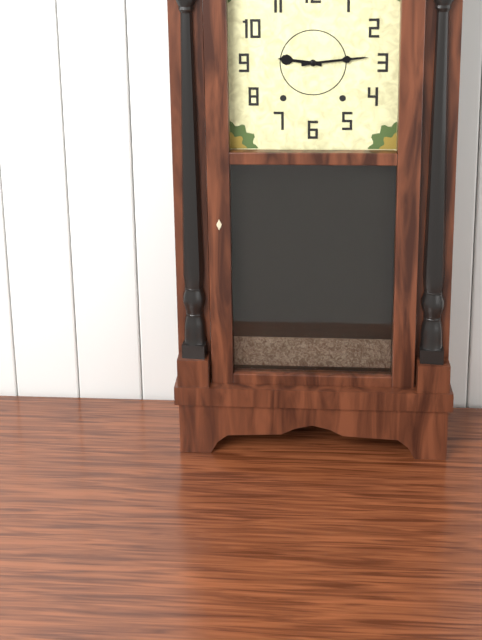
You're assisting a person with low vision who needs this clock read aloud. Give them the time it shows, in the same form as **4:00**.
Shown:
**9:14**
